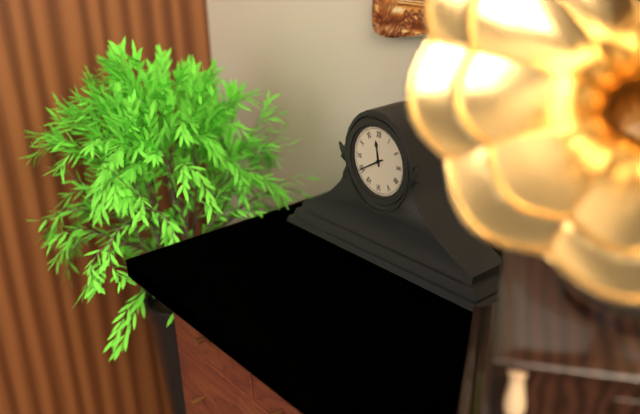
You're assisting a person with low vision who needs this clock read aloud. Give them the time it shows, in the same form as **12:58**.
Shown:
**11:40**
